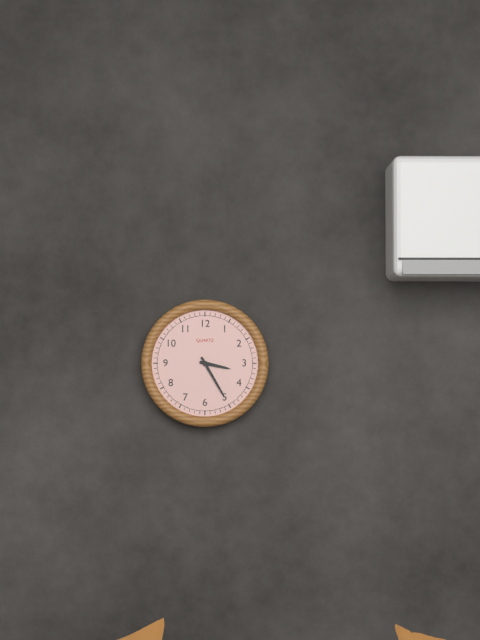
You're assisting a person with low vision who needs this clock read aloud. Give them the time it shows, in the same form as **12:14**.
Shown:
**3:25**
